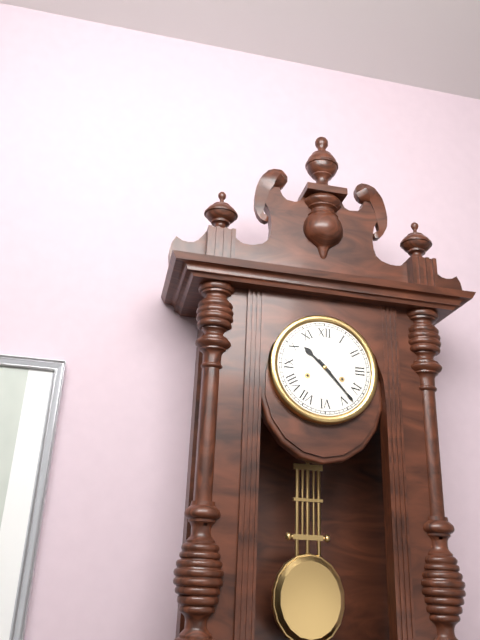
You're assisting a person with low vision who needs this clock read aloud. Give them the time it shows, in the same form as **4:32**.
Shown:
**10:23**
